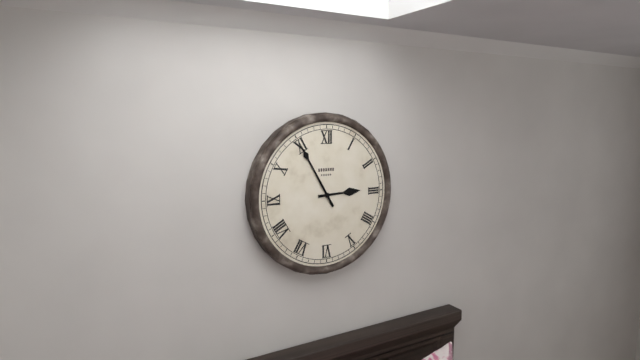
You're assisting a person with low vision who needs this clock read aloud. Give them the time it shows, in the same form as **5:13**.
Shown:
**2:55**
